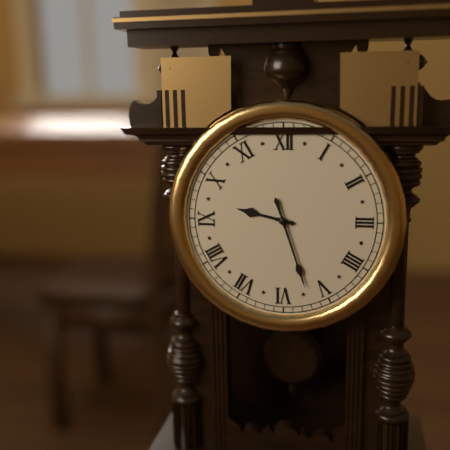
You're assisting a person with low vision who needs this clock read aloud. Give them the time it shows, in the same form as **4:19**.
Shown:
**9:27**
